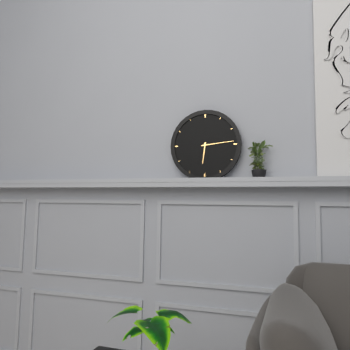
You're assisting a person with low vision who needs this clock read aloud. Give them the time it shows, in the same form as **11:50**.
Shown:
**6:14**
